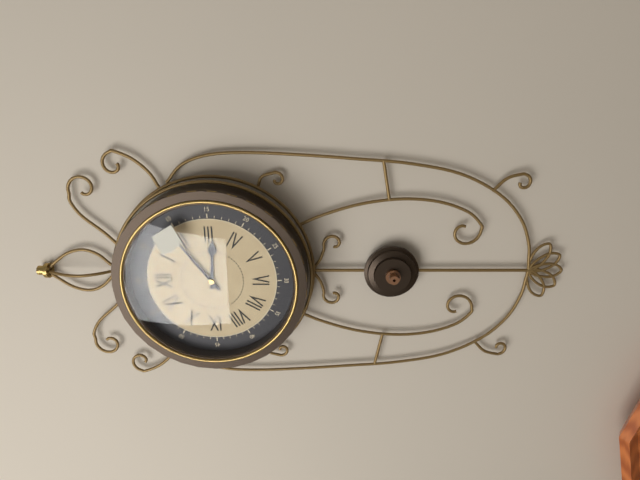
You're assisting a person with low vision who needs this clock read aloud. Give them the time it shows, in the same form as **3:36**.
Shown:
**3:09**
